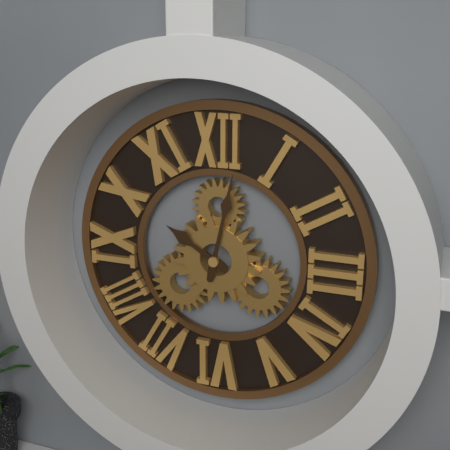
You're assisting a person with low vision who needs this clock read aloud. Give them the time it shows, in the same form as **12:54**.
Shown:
**10:02**
